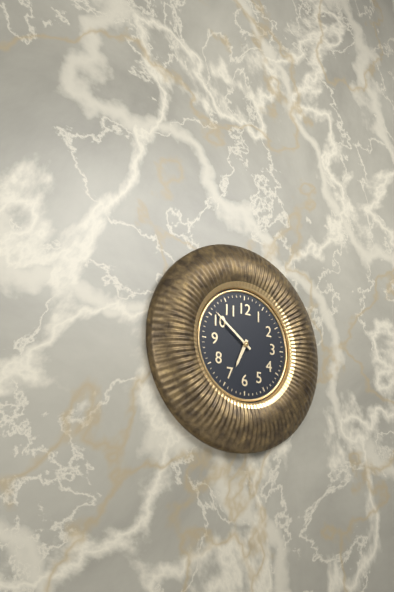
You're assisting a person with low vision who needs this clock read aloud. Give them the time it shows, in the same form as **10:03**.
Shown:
**6:51**
